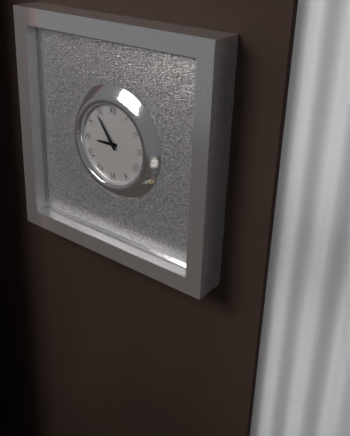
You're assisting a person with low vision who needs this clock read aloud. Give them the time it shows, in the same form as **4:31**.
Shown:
**8:54**
